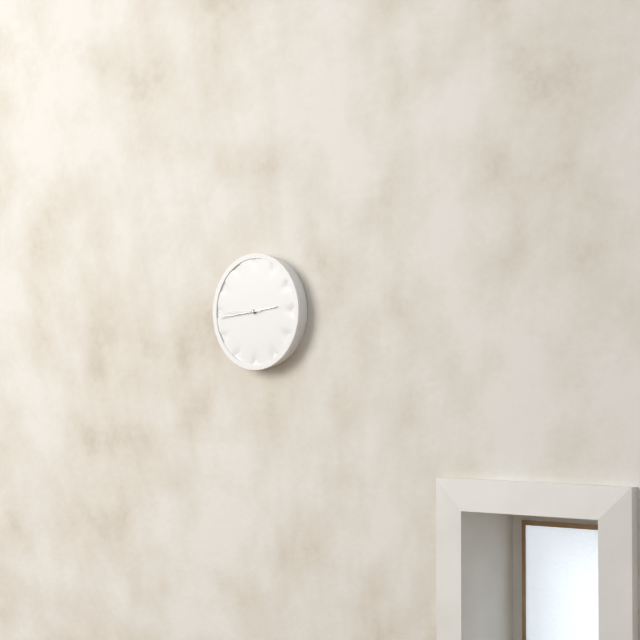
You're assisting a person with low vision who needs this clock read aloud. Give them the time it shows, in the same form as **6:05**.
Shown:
**2:44**
